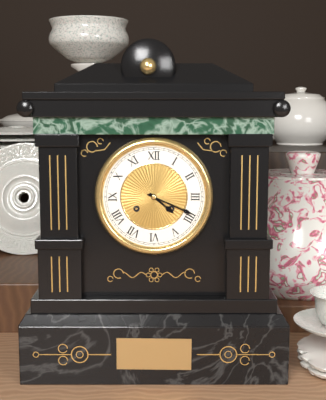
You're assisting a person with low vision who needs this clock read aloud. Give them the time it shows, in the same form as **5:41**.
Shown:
**4:19**
